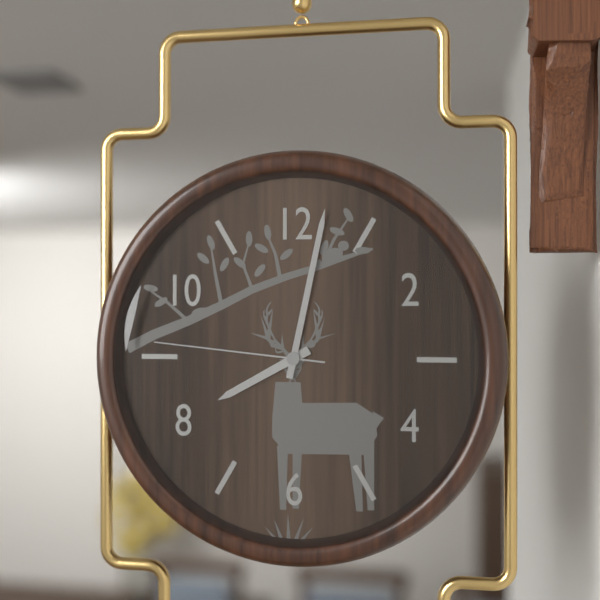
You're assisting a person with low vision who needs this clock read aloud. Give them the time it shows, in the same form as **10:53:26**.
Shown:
**8:02:46**
